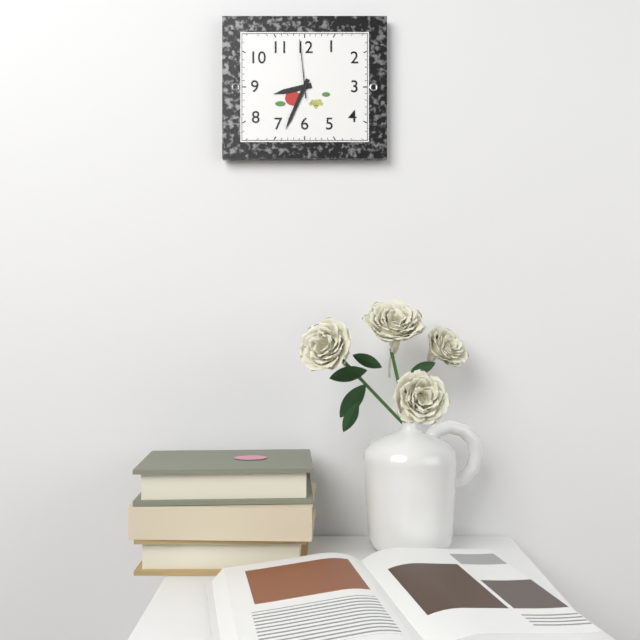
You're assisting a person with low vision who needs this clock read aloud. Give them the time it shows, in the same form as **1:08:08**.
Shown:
**8:34:59**
